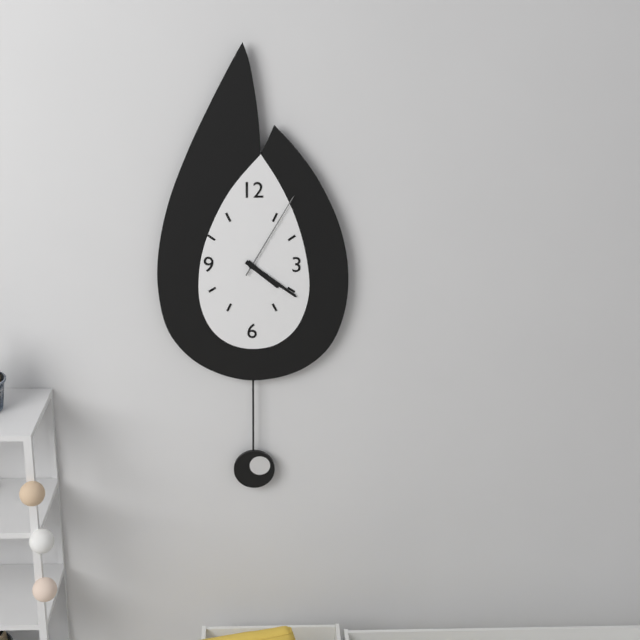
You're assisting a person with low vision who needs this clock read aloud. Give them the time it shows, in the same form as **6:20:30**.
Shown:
**4:21:05**
